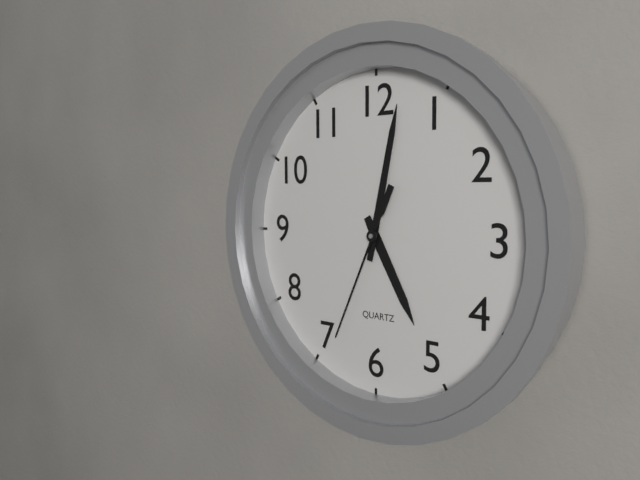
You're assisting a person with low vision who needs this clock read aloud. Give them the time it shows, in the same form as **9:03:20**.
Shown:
**5:02:34**
